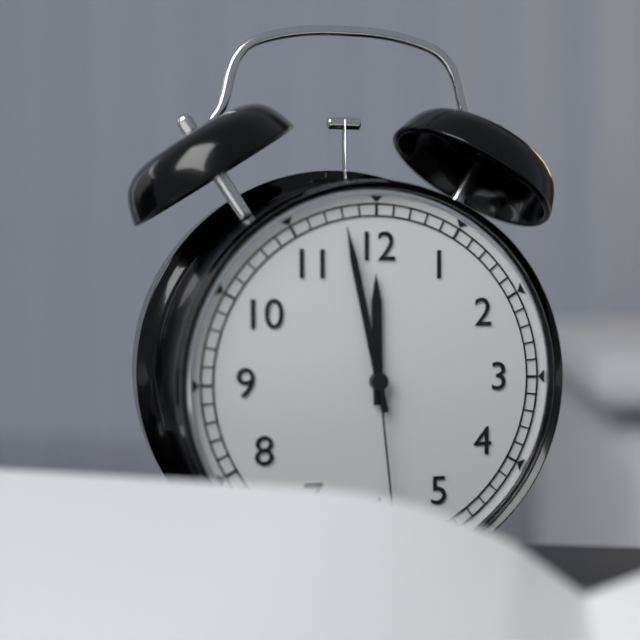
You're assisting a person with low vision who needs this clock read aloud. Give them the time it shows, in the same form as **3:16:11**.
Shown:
**11:58:29**
